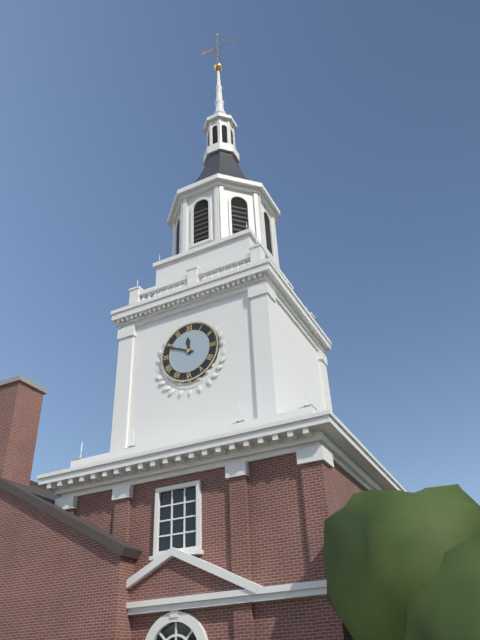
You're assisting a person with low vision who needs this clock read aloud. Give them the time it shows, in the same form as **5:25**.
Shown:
**11:49**
